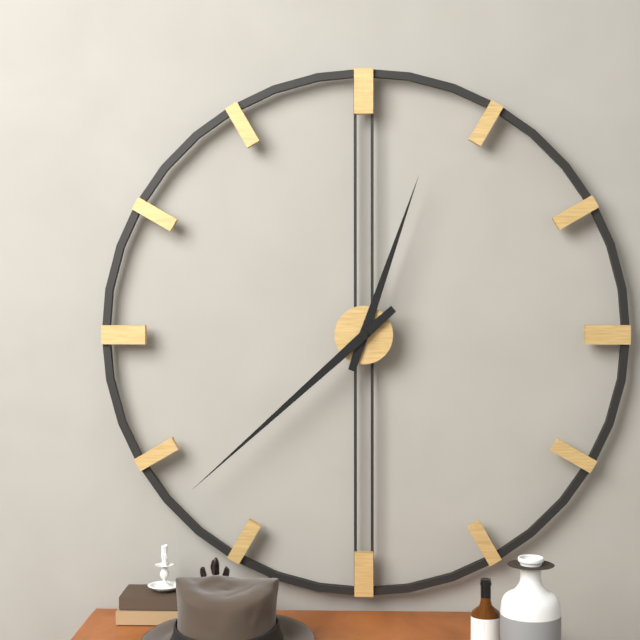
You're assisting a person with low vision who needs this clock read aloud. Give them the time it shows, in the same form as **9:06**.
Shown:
**12:38**
